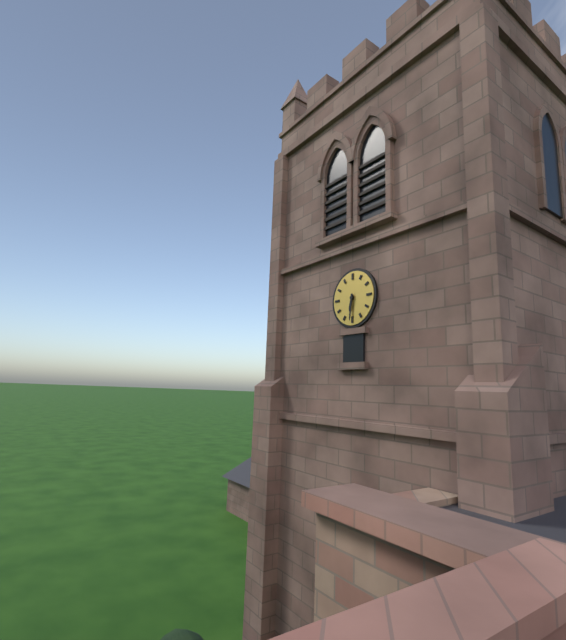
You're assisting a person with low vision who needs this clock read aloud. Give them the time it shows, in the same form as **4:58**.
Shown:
**6:31**
